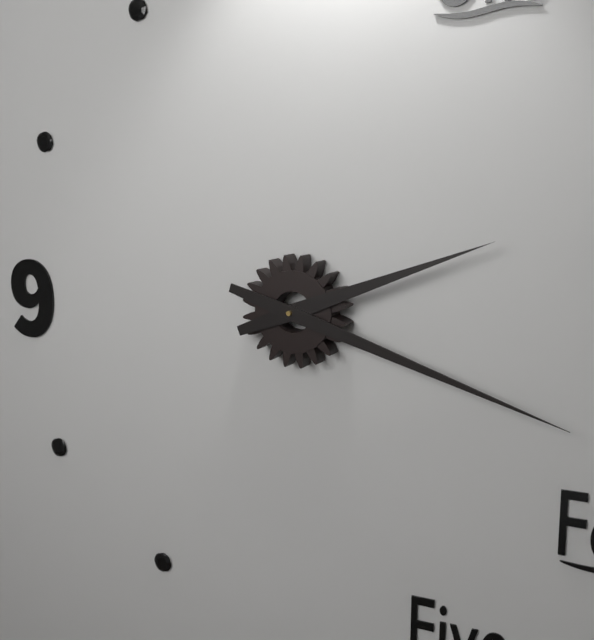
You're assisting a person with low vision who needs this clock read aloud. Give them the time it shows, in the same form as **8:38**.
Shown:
**2:18**
